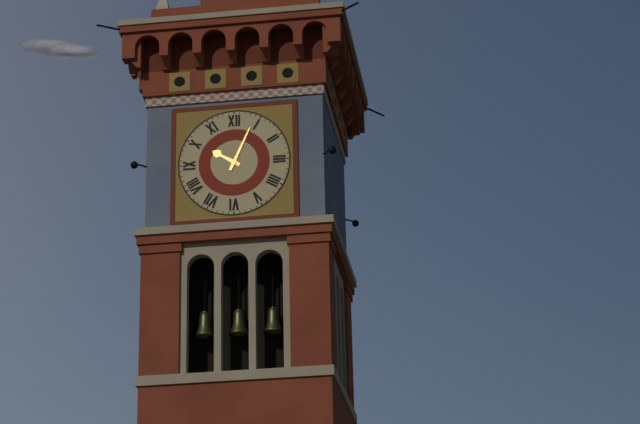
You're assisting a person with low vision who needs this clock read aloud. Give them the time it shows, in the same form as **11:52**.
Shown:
**10:04**
